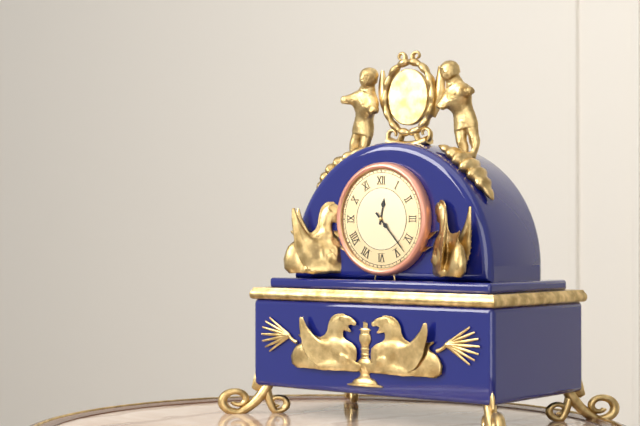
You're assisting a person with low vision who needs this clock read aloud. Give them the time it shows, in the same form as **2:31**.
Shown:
**12:23**
